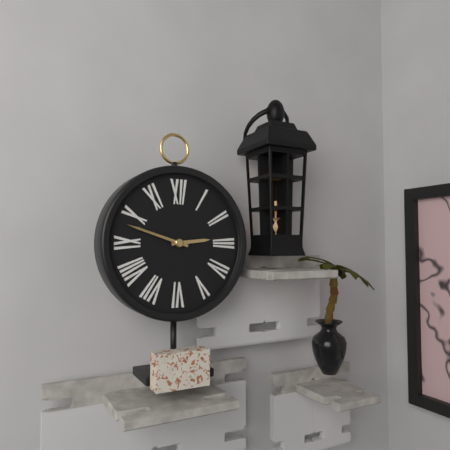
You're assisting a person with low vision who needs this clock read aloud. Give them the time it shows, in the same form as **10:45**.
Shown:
**2:48**
